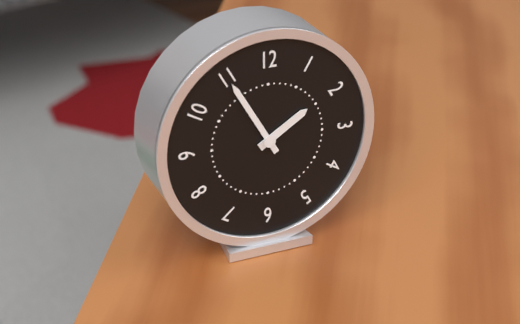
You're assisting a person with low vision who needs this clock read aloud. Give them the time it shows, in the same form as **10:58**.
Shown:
**1:55**
